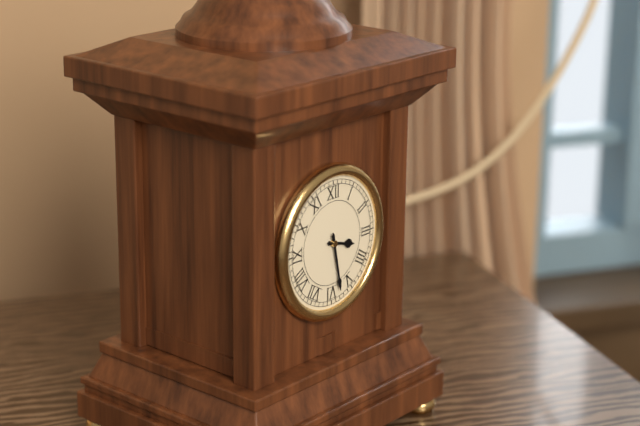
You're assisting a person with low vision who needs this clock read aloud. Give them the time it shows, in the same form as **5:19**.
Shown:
**3:28**
